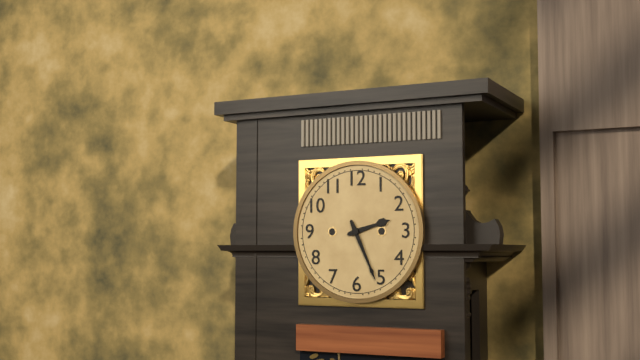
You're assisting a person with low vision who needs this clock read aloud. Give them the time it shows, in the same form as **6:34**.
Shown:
**2:26**
